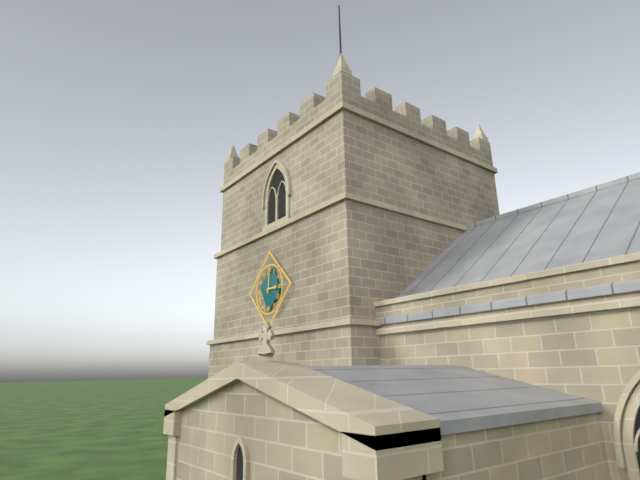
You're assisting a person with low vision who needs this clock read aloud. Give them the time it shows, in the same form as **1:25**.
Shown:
**3:01**
